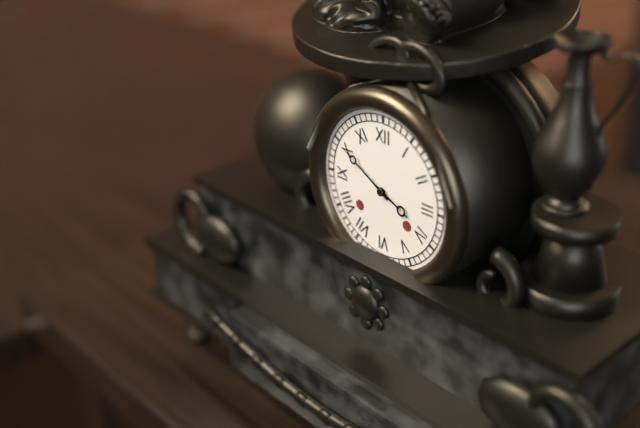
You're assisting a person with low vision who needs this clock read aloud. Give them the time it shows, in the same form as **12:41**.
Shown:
**3:50**
